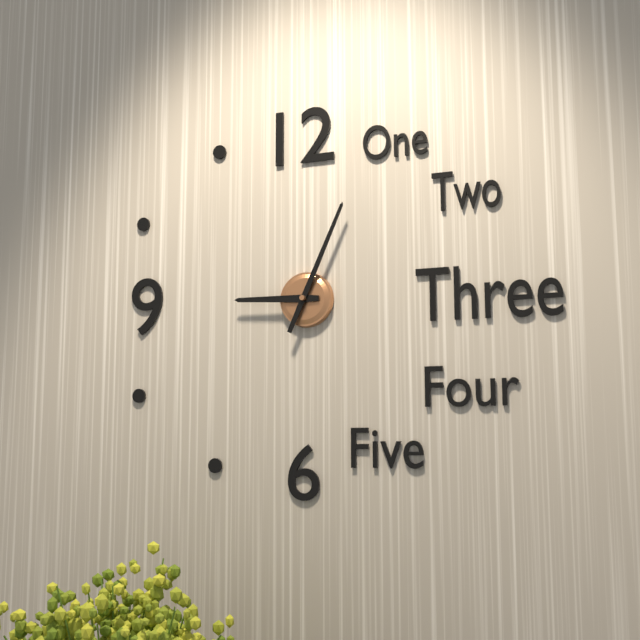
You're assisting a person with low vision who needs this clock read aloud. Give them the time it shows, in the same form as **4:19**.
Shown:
**9:04**
